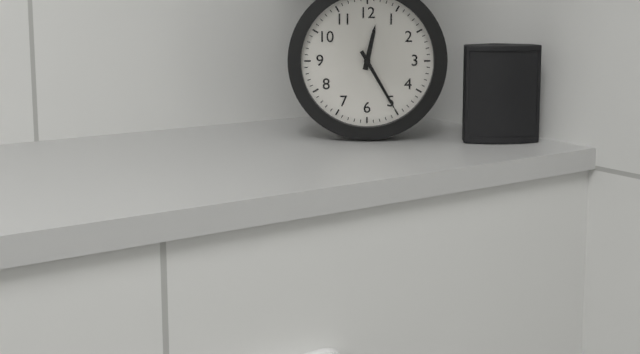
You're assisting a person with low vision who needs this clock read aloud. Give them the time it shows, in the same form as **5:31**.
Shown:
**12:25**
